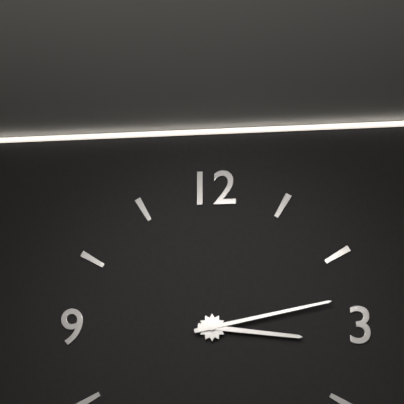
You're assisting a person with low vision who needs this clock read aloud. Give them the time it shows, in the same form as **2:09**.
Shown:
**3:13**
